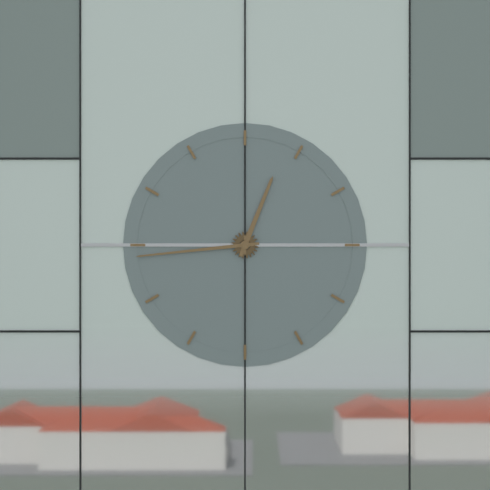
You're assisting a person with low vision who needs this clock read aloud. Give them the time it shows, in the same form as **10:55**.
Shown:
**12:44**
